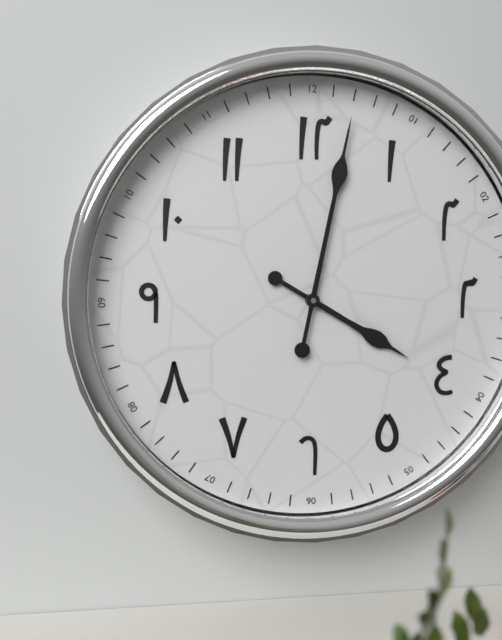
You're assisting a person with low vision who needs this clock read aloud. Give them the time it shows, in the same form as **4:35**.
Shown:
**4:02**
